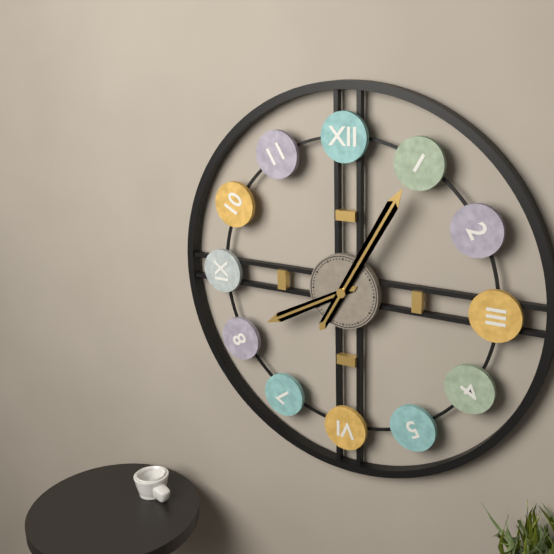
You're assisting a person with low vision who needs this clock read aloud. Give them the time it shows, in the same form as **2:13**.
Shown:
**8:05**
